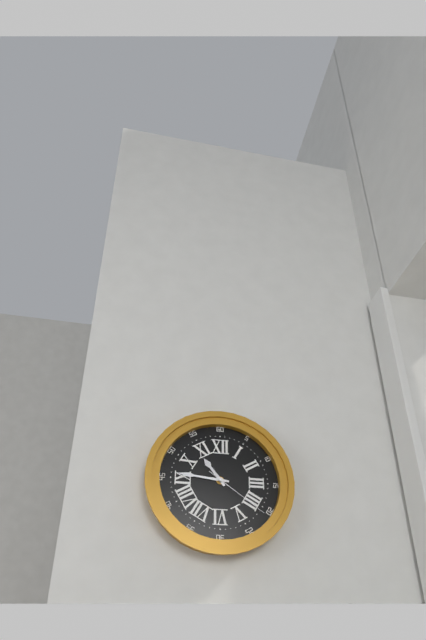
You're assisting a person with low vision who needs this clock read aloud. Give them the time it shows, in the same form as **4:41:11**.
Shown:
**10:46:21**
